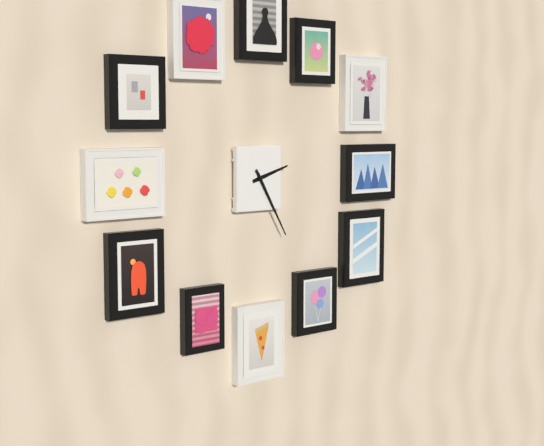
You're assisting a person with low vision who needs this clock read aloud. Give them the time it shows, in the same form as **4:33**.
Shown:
**2:25**
